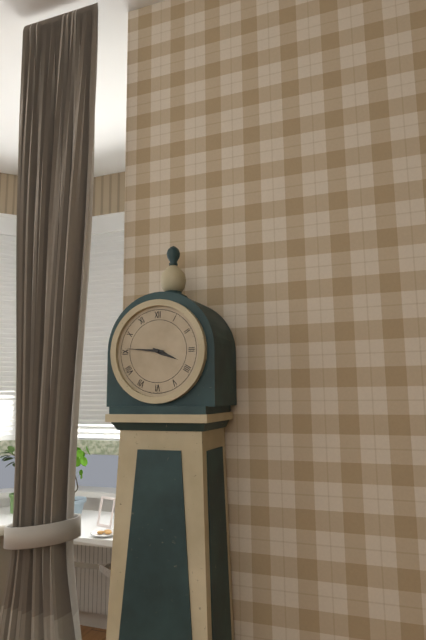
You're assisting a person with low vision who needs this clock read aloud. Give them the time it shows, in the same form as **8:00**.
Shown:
**3:46**
